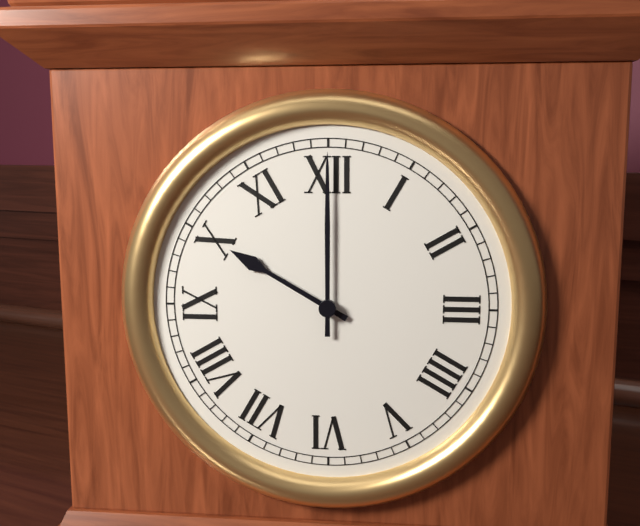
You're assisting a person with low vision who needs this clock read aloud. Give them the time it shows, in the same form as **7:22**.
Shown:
**10:00**
